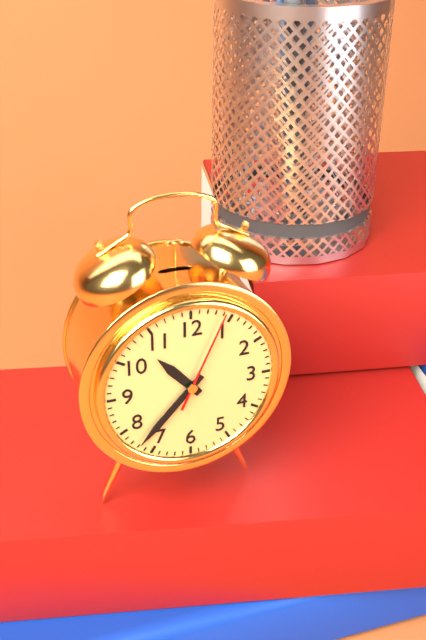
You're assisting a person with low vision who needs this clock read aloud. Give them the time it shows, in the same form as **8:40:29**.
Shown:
**10:37:04**
